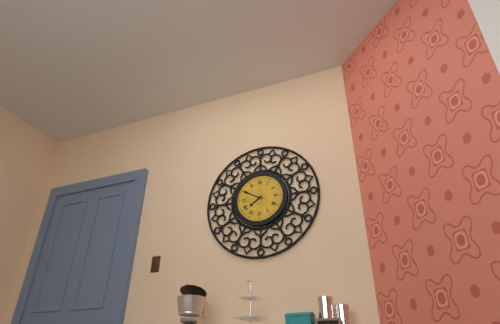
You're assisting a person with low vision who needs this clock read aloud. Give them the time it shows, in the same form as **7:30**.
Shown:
**7:50**
